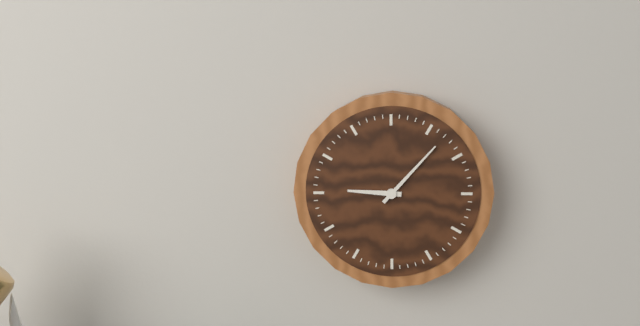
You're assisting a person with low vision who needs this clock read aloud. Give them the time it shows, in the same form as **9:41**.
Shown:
**9:07**
